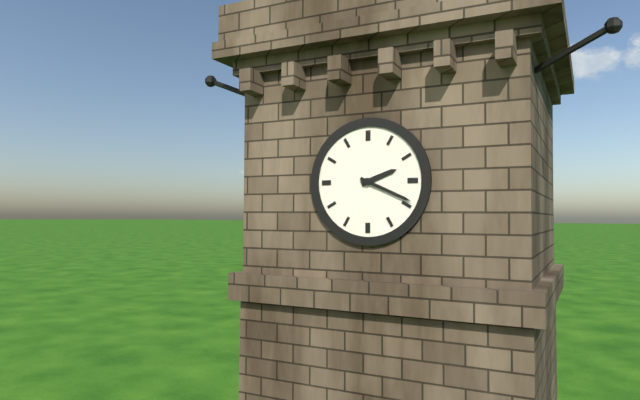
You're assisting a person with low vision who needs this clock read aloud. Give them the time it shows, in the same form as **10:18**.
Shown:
**2:19**
